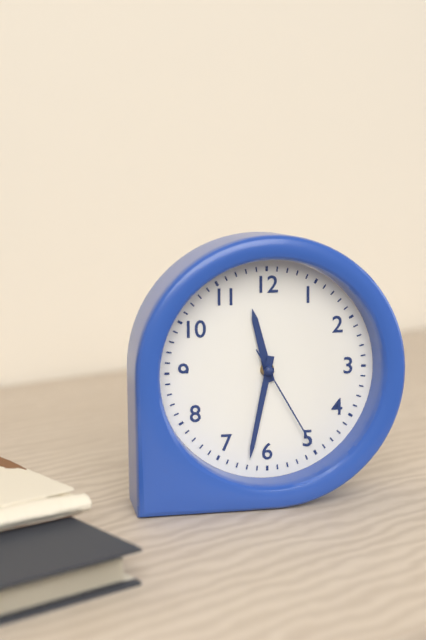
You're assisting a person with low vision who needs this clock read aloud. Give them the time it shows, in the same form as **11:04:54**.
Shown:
**11:32:25**
